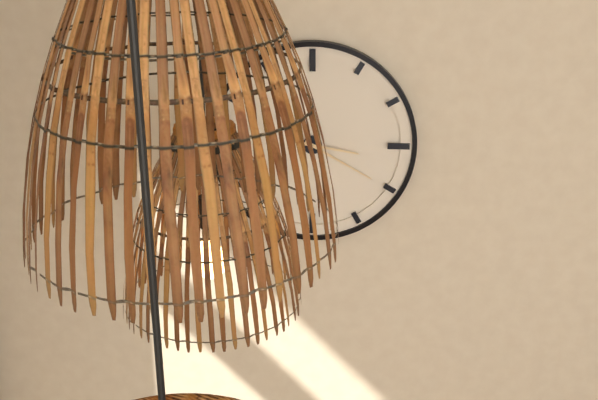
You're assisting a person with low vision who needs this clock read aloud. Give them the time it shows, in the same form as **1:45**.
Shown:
**3:20**
